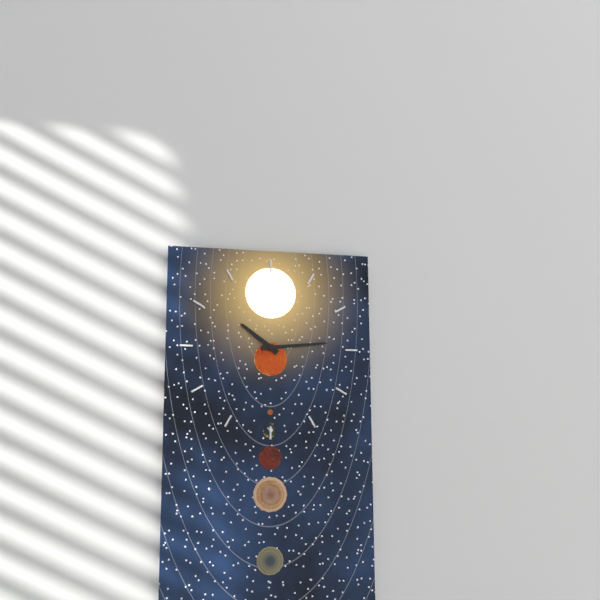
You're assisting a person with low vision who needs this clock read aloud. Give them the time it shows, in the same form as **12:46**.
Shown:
**10:14**
